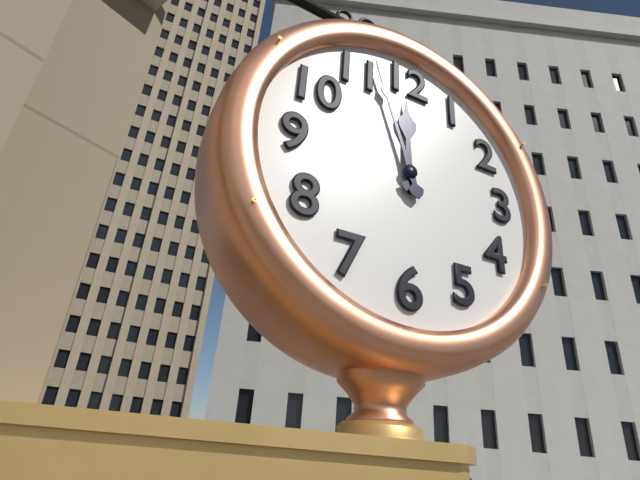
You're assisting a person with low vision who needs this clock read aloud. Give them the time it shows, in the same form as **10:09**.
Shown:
**11:57**
